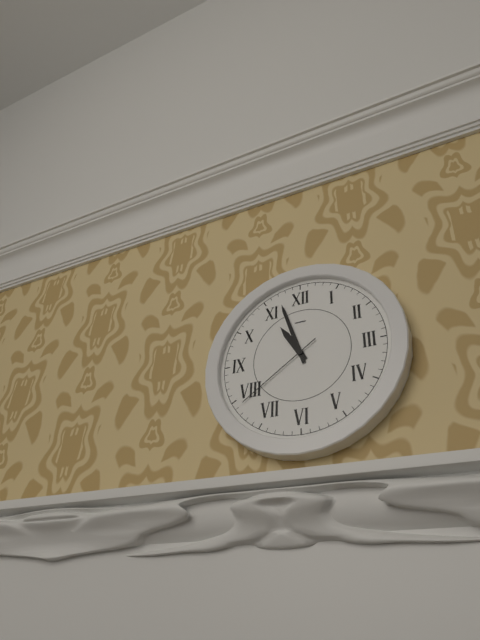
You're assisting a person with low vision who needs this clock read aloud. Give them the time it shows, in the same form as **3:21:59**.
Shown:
**10:57:39**
